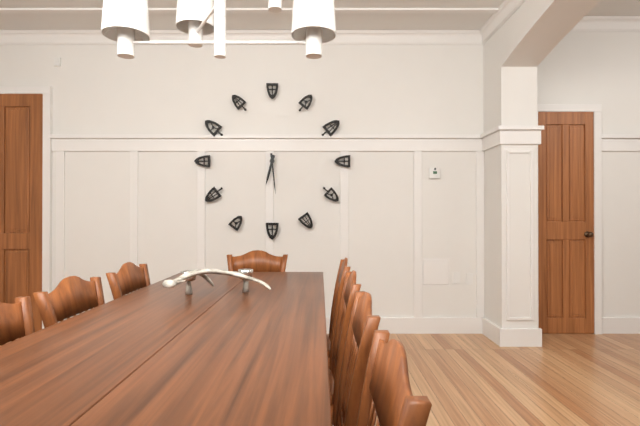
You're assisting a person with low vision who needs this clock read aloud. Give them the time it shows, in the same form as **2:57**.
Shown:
**6:29**
